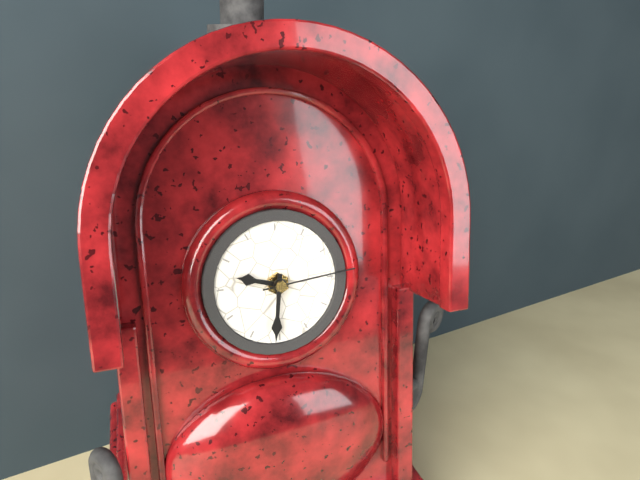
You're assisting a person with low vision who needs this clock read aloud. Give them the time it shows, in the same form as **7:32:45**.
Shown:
**9:31:14**
